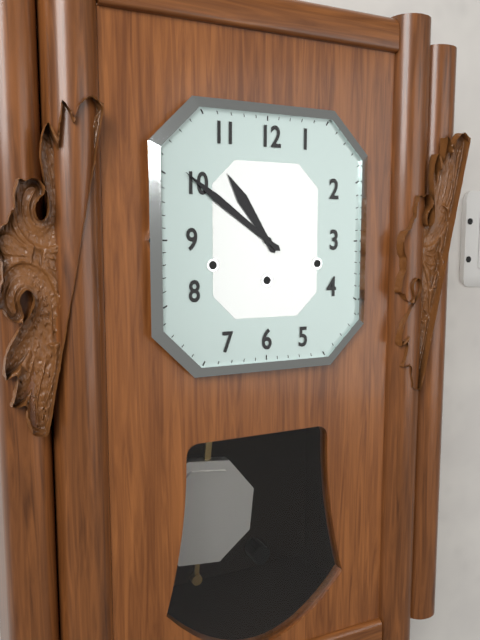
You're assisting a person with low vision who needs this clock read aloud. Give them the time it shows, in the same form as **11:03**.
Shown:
**10:51**
